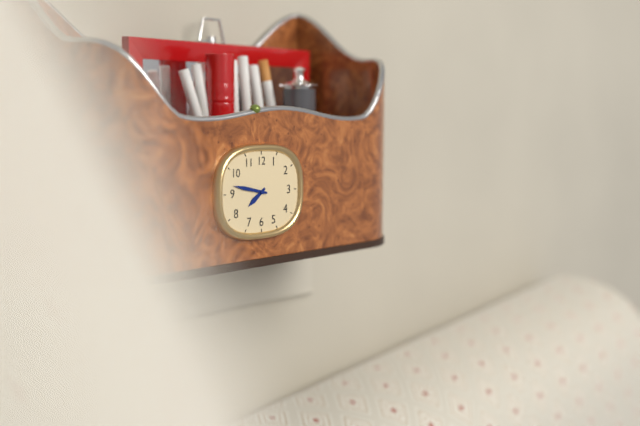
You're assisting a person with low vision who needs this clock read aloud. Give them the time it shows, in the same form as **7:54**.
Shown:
**7:47**
